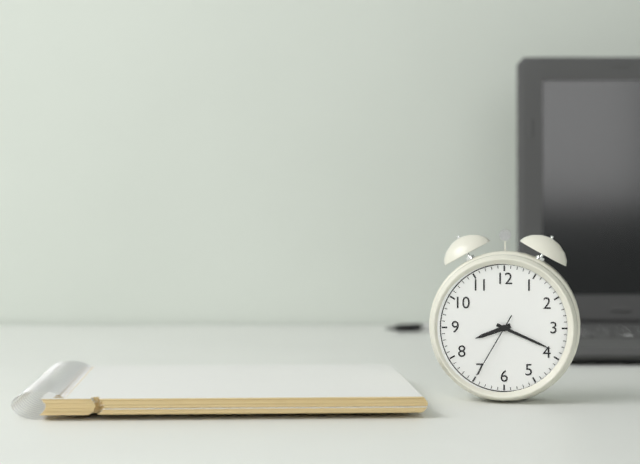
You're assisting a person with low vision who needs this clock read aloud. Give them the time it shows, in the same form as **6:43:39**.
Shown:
**8:19:35**
